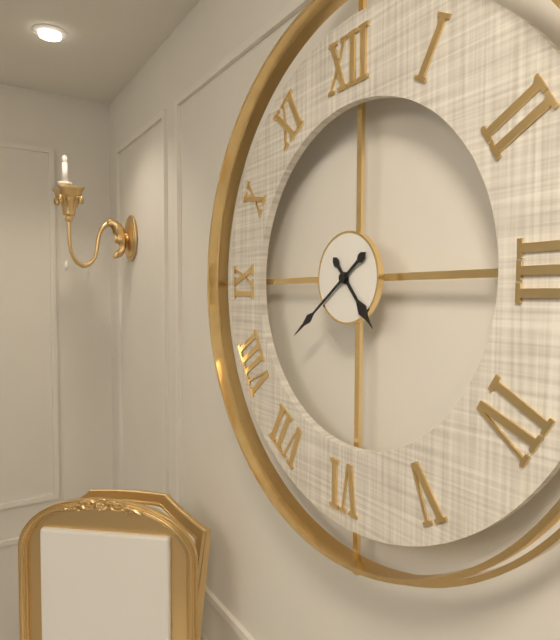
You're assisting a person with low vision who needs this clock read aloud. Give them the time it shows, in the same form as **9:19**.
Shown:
**4:39**
